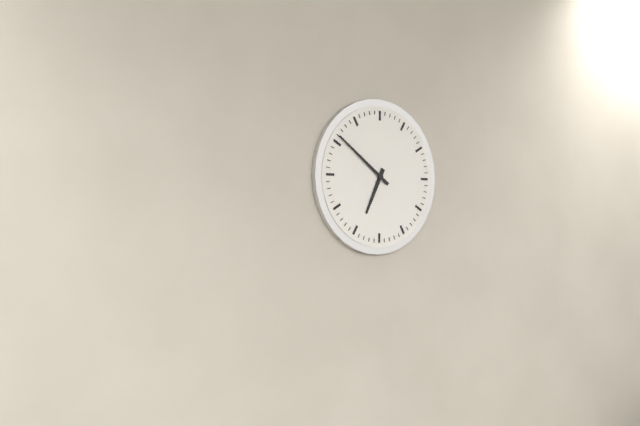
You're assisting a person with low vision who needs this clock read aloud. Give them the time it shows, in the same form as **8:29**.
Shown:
**6:51**
